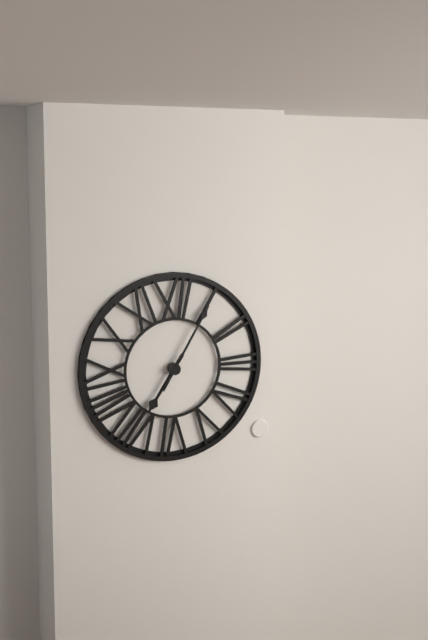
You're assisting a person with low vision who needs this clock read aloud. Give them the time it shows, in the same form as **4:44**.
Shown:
**7:05**
